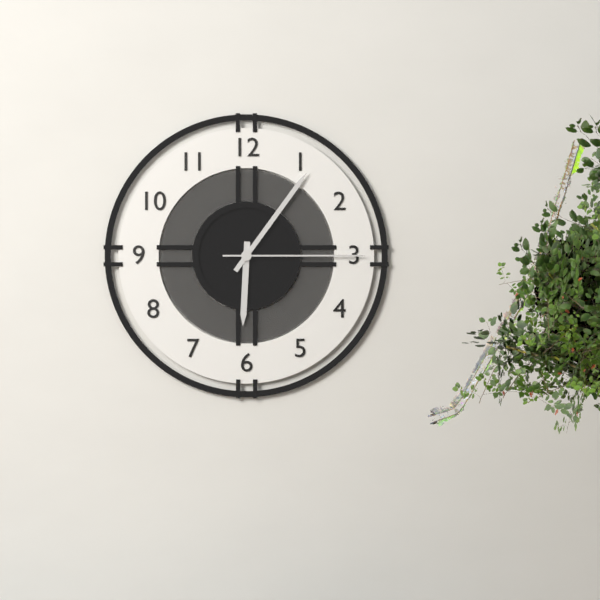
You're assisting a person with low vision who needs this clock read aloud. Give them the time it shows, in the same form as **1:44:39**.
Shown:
**6:06:15**
